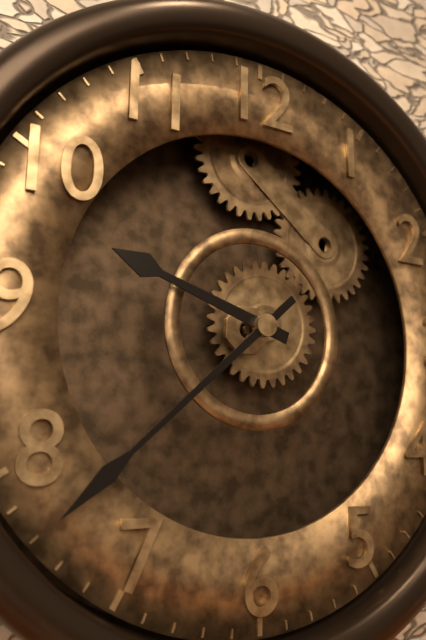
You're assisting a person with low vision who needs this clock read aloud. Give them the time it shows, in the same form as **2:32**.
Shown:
**9:38**
